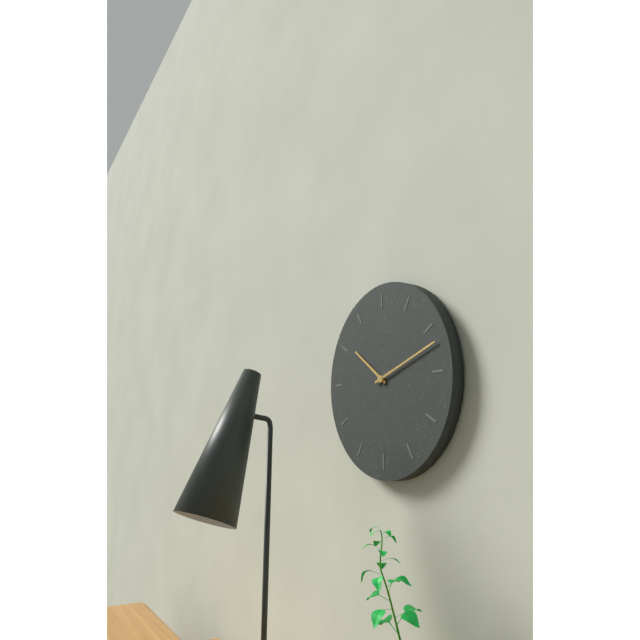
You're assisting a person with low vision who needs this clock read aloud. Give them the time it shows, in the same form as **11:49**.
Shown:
**10:12**
